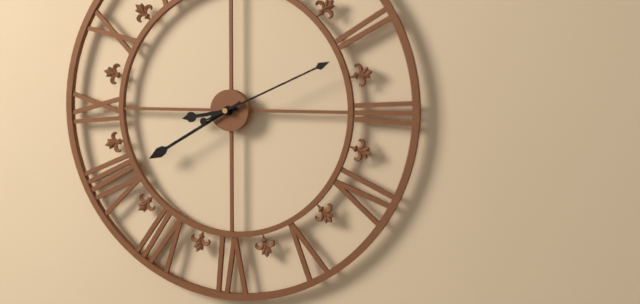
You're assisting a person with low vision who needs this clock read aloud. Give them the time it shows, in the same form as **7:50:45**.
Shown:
**8:40:11**
